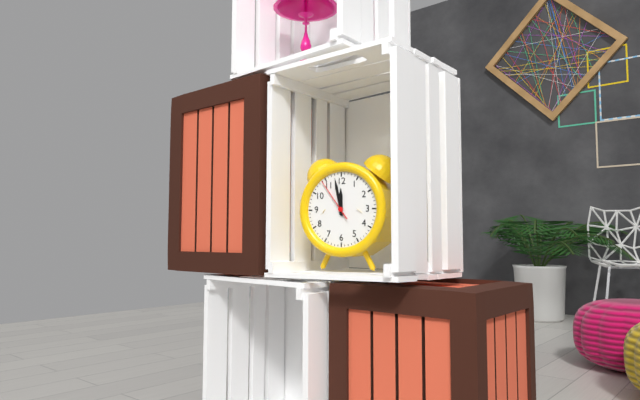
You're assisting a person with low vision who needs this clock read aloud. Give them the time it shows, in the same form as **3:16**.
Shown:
**11:58**
